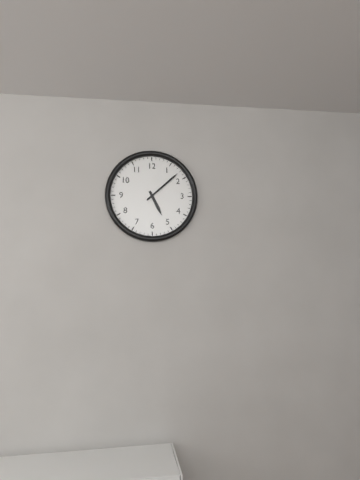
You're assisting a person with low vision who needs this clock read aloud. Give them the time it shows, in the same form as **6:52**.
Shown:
**5:08**
